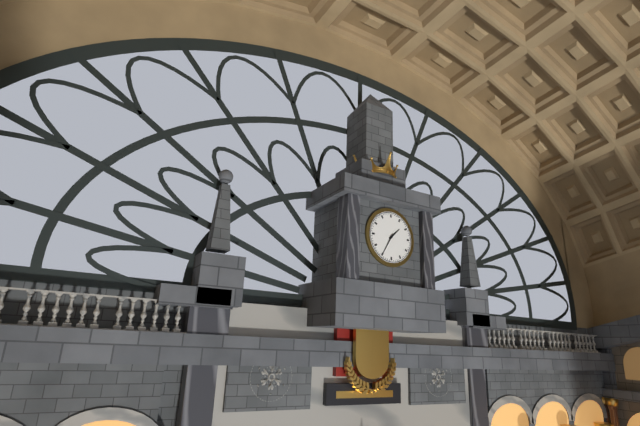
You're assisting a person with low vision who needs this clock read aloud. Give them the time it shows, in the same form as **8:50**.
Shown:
**1:35**
